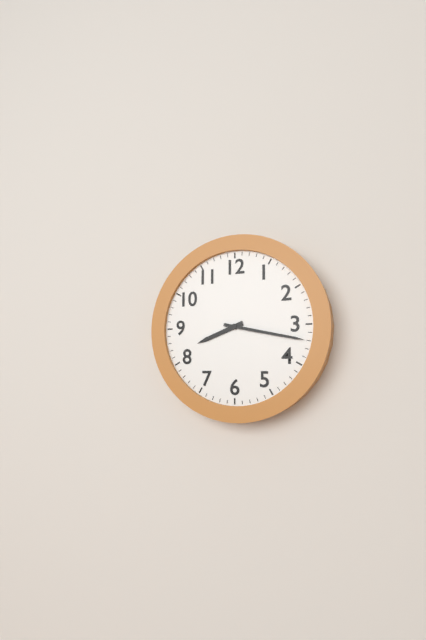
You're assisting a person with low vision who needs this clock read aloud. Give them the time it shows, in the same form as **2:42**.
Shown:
**8:17**
